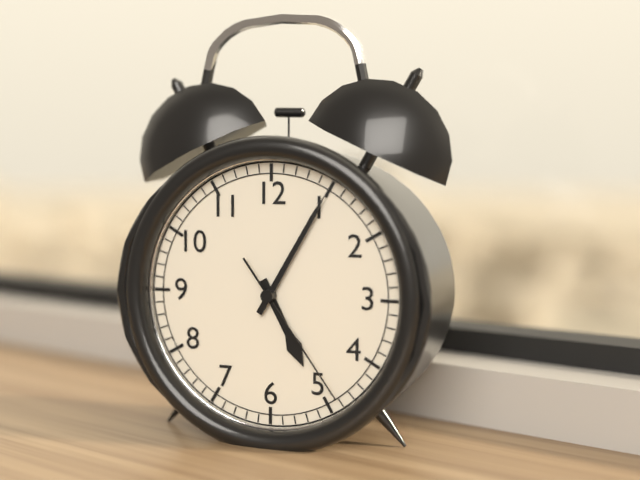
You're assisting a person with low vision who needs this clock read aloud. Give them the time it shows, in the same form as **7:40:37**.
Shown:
**5:05:24**
